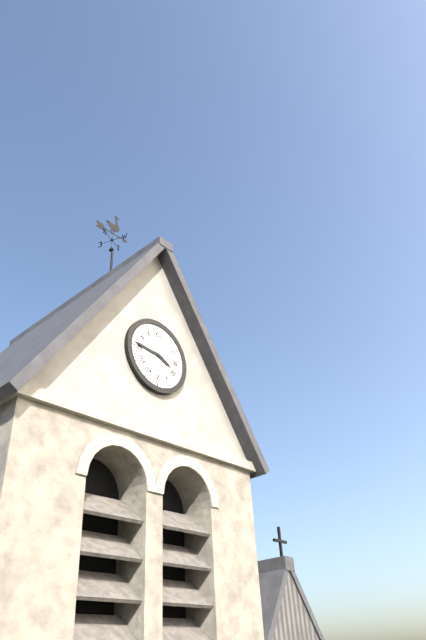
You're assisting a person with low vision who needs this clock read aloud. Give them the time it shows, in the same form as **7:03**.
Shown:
**3:46**
